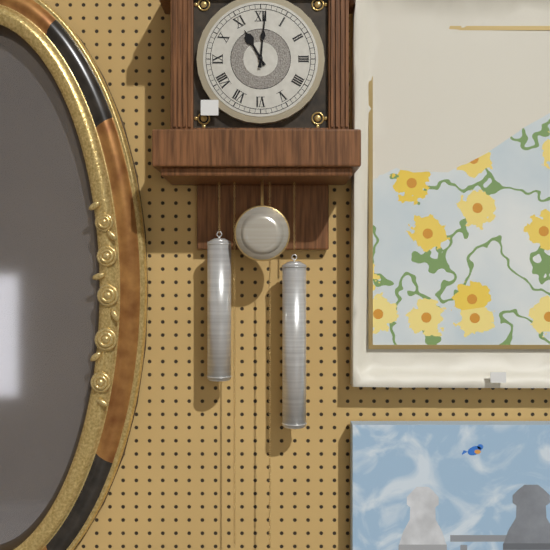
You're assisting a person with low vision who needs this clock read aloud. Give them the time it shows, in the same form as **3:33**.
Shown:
**11:01**
